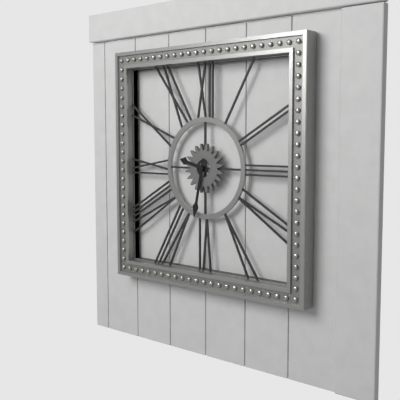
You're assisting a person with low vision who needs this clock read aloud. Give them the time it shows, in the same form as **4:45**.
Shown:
**9:32**
